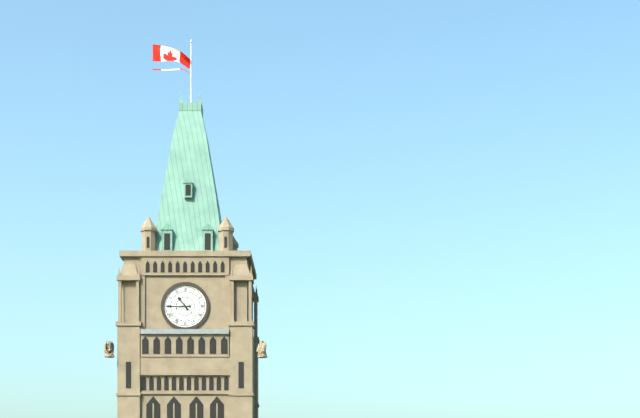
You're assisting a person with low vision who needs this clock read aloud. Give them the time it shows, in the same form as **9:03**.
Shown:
**10:45**
